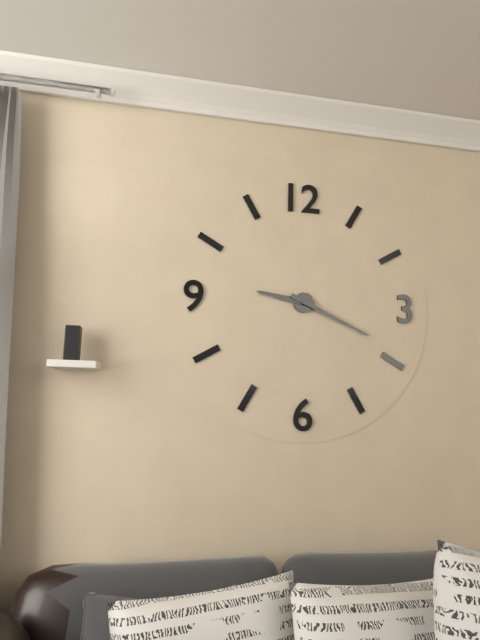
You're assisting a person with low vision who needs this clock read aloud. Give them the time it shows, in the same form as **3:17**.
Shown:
**9:19**
